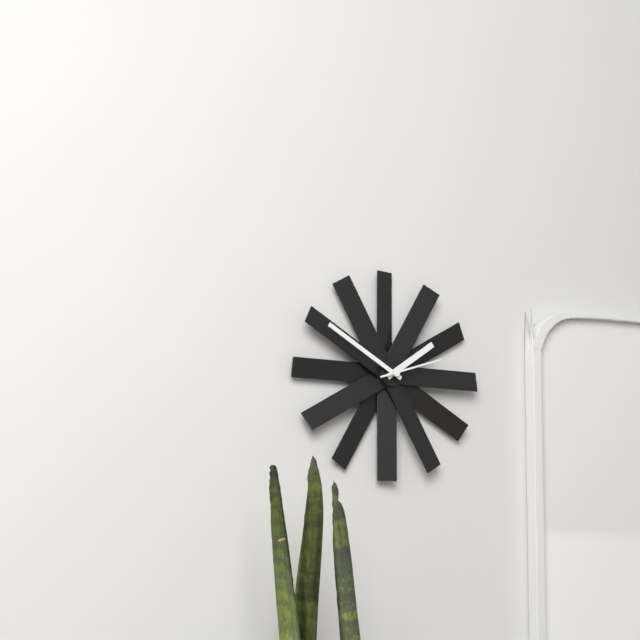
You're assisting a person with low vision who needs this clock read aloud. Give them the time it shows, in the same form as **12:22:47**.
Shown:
**1:50:12**
